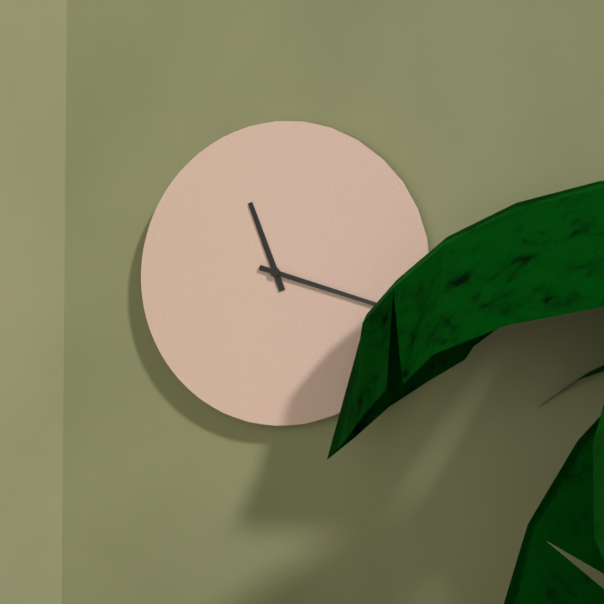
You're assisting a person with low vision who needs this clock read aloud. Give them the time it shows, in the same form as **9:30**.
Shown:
**11:18**
